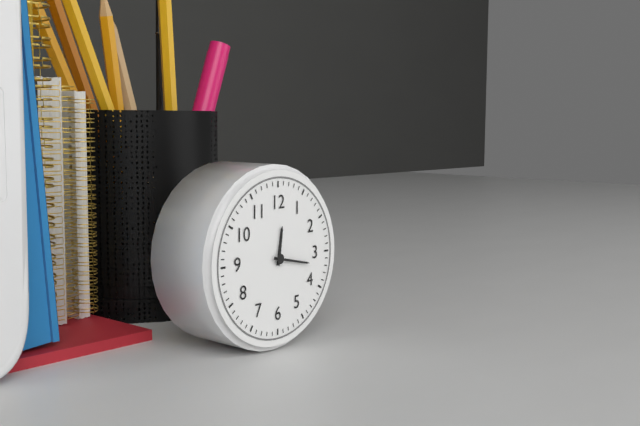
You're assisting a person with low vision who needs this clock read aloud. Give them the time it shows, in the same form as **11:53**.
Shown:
**12:17**
